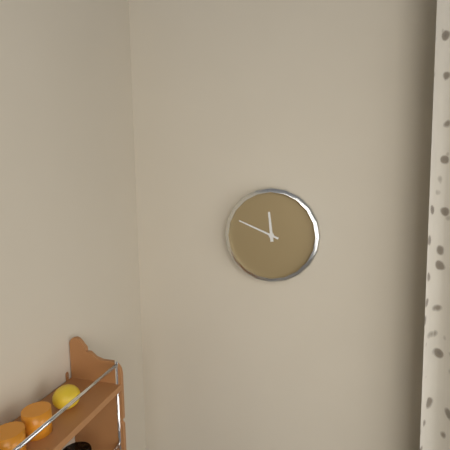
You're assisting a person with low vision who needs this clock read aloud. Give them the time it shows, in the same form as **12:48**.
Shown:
**11:49**
